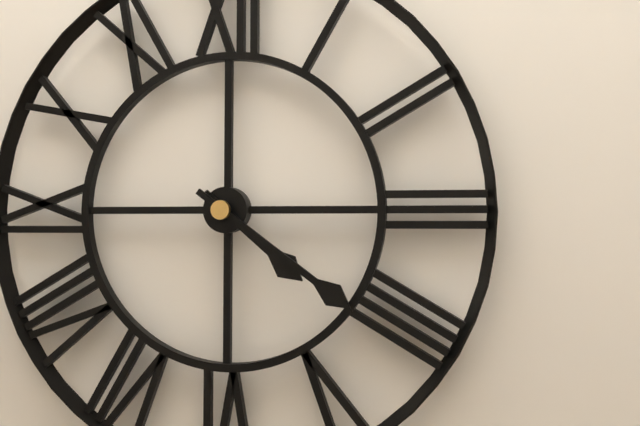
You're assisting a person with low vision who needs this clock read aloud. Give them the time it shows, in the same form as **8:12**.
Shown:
**4:21**
